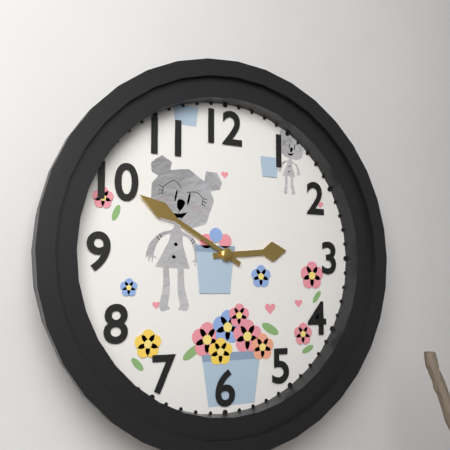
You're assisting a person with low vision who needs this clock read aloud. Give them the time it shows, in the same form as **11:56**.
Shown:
**2:50**
